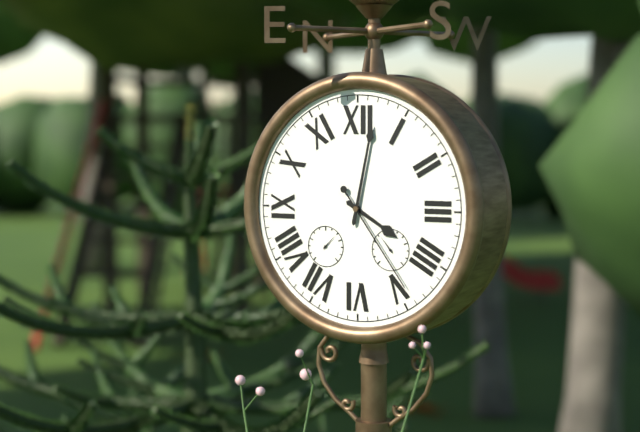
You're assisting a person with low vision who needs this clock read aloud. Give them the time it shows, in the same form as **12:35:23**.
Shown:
**4:02:24**
